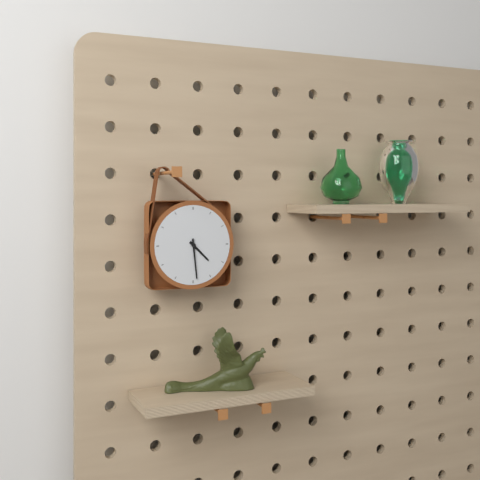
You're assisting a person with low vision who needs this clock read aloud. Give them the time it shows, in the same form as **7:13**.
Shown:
**4:29**
